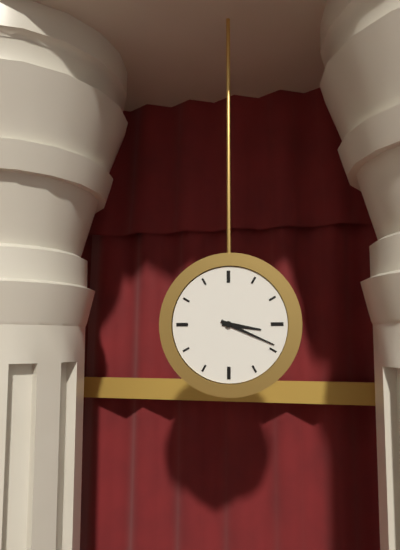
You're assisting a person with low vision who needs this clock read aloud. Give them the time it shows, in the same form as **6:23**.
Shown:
**3:19**
